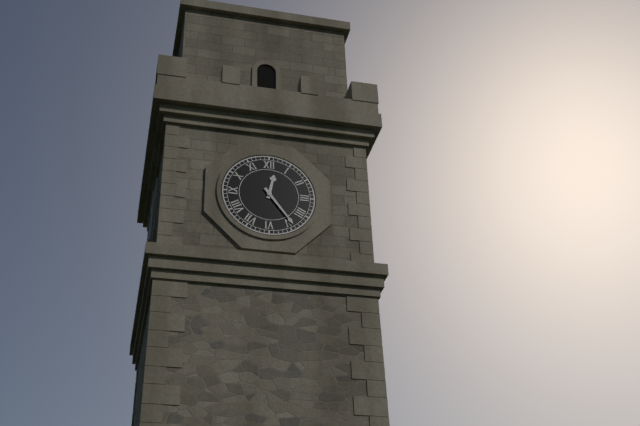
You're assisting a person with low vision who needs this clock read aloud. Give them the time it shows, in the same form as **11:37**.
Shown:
**12:24**
